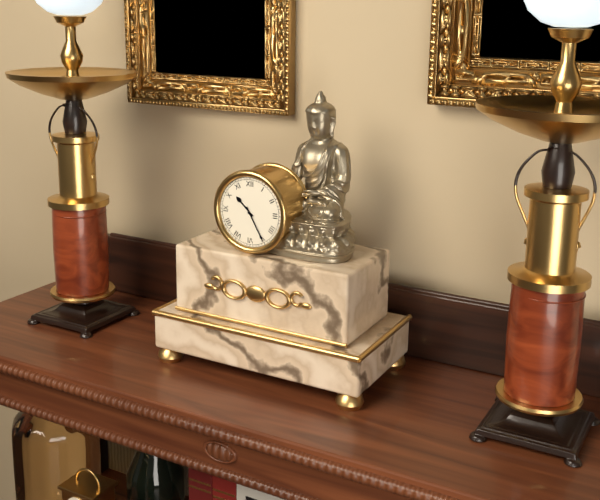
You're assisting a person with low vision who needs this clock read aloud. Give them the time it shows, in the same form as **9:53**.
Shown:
**10:25**
